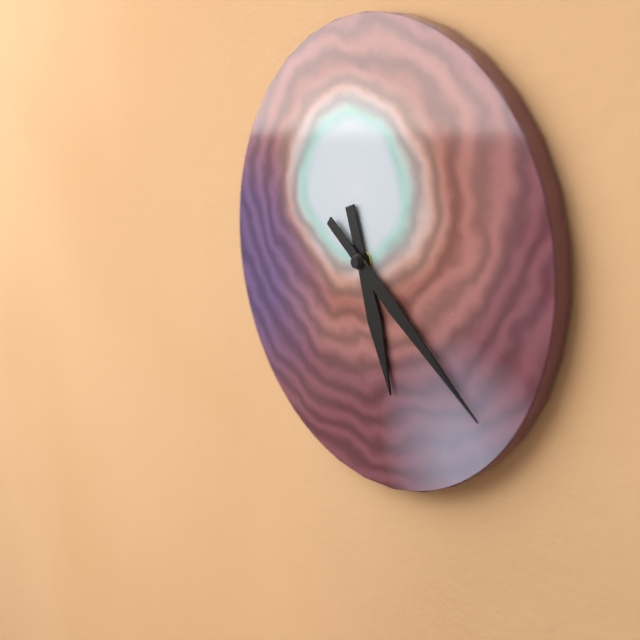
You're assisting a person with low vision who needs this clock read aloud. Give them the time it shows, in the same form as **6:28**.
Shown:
**5:21**
